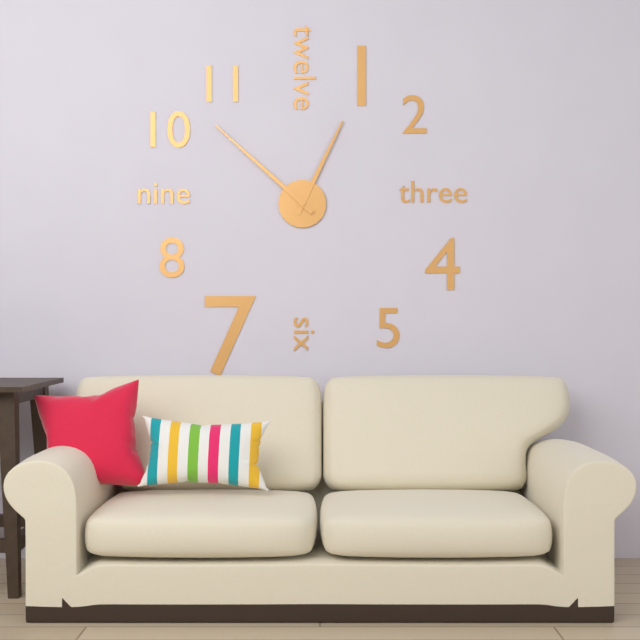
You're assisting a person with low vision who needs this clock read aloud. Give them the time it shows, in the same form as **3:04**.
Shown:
**12:52**
